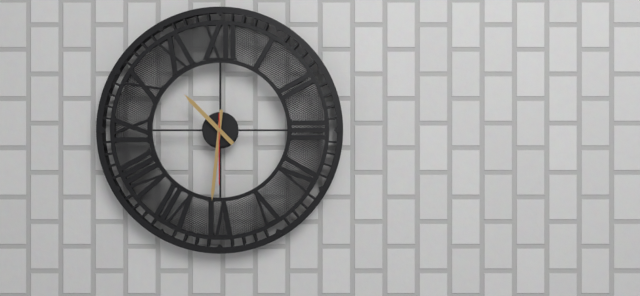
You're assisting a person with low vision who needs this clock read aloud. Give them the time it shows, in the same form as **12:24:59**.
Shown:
**10:31:30**
